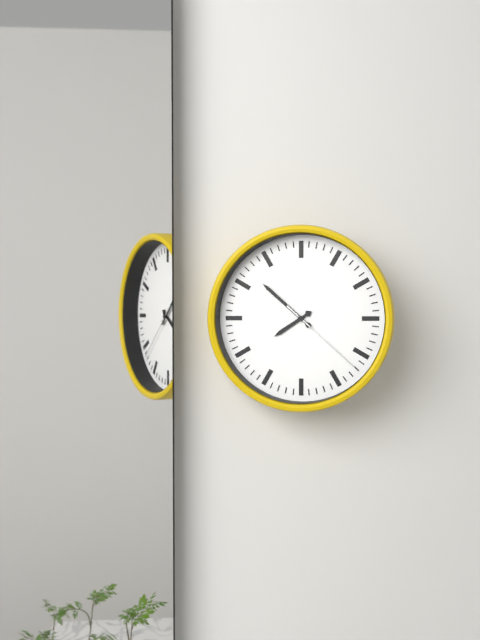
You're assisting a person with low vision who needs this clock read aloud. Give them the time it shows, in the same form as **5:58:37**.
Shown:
**7:52:22**
